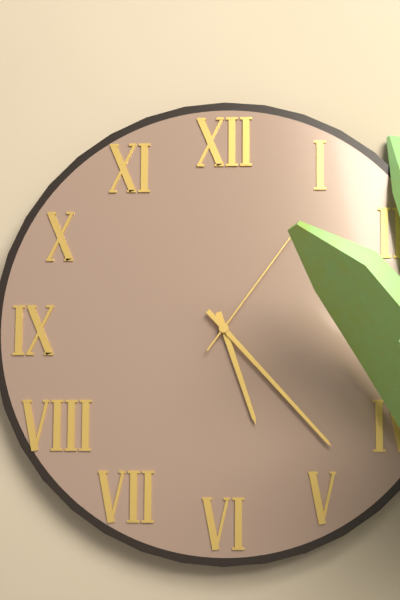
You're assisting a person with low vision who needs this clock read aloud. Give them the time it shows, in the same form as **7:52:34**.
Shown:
**5:23:06**
